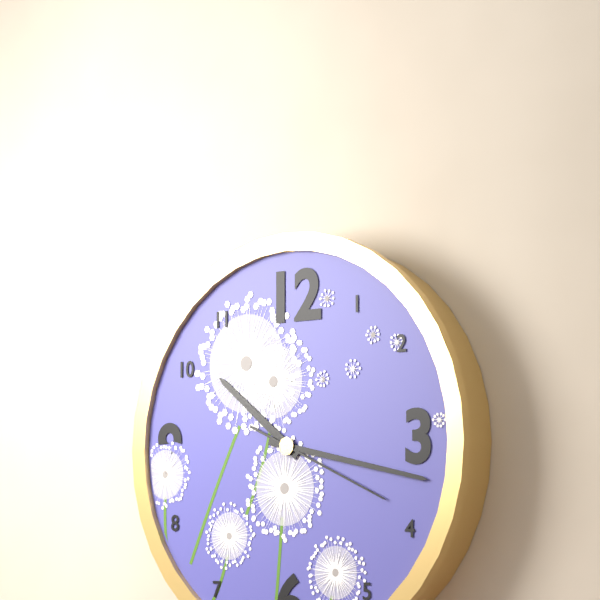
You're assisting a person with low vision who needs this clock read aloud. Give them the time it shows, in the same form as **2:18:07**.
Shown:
**10:17:19**
